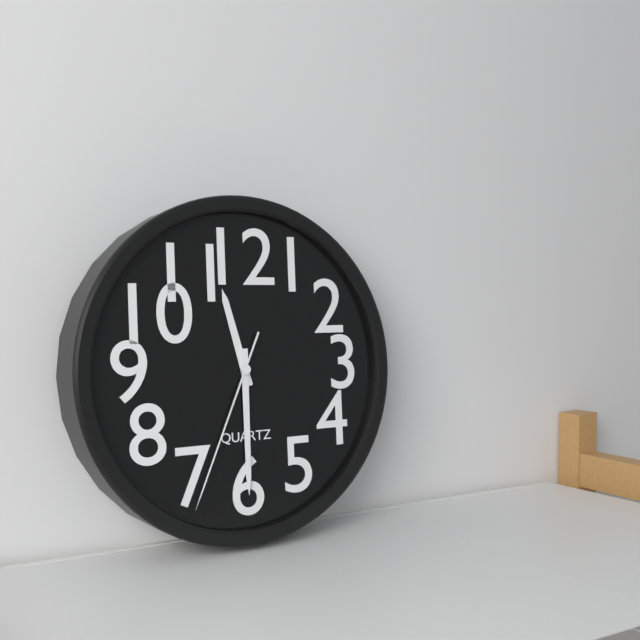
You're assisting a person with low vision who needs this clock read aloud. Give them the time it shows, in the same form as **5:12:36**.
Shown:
**11:30:34**
